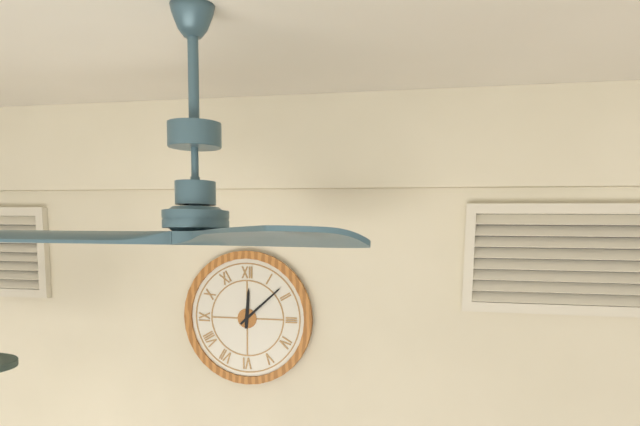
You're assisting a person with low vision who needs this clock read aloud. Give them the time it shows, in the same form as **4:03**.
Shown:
**12:08**
